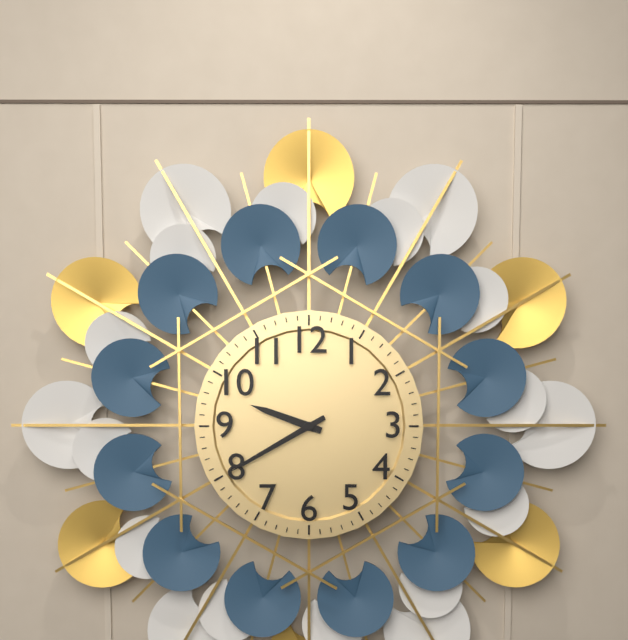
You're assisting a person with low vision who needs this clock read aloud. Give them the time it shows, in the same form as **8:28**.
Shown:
**9:40**
